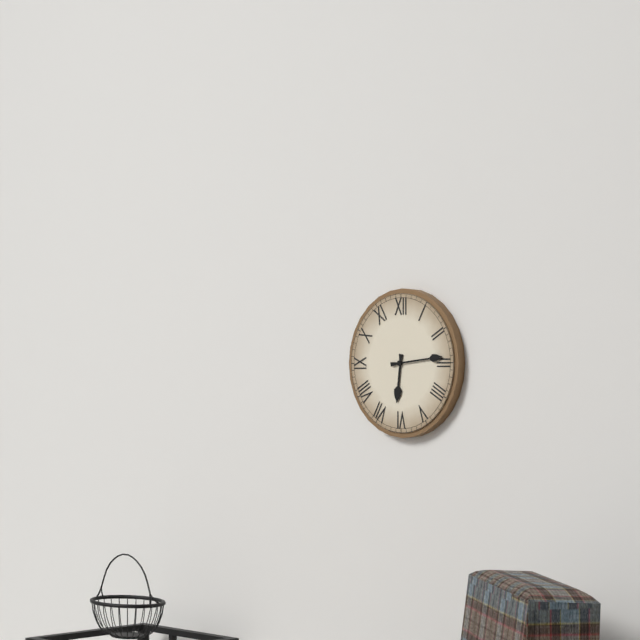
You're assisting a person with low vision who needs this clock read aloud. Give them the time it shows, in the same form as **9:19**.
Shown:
**6:14**
